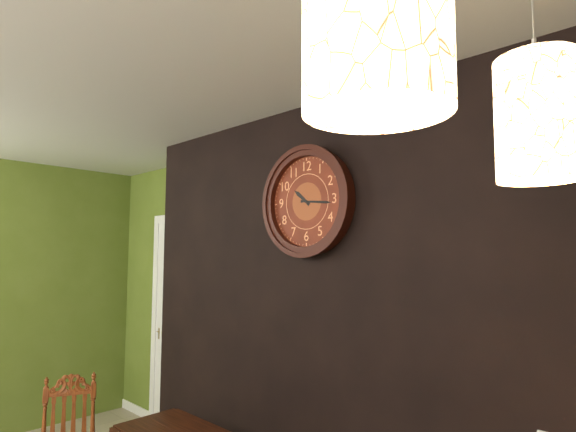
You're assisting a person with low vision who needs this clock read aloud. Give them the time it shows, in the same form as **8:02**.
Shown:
**10:16**
